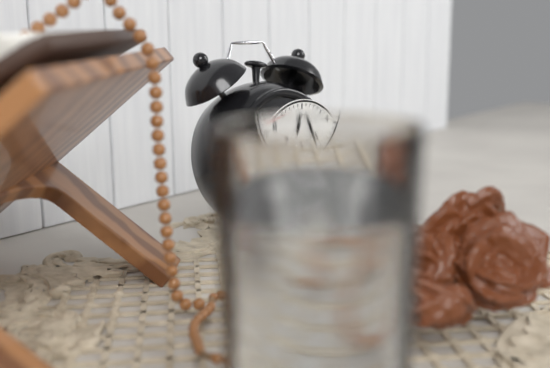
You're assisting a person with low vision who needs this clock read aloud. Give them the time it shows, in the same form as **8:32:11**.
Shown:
**6:26:42**
